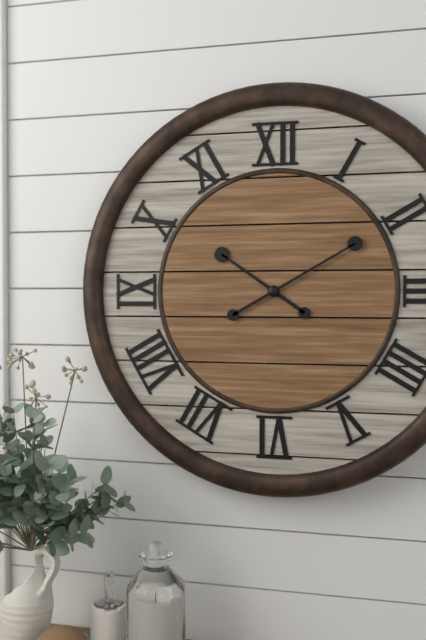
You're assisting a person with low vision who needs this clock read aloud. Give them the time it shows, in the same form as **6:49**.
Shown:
**10:10**
